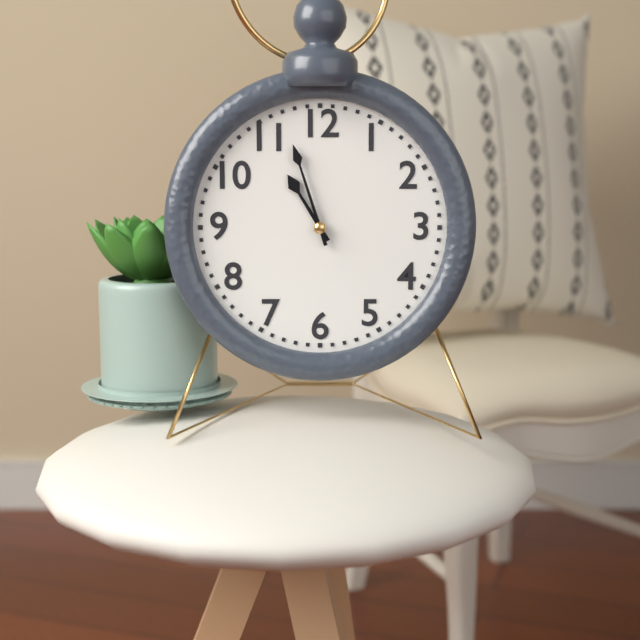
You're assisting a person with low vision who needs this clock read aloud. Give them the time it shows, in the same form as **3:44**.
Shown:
**10:57**
